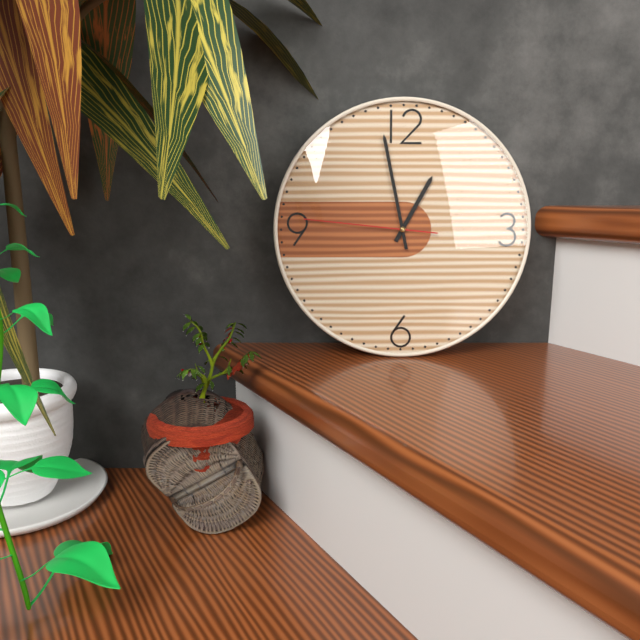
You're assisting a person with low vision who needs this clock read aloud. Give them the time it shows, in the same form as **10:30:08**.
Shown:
**12:58:46**
